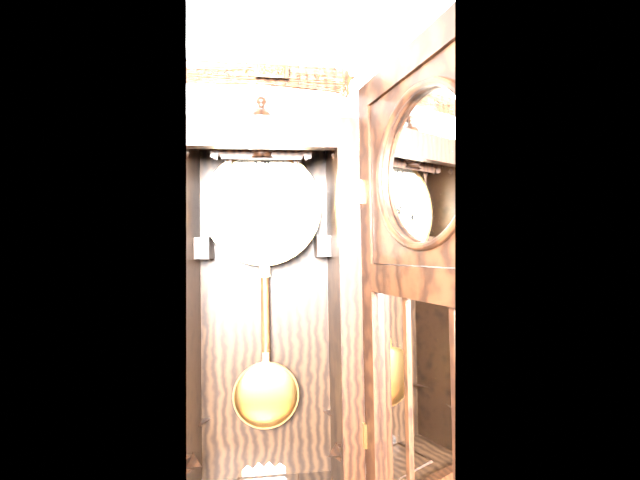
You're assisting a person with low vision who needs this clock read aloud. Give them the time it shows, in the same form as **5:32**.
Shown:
**5:14**
